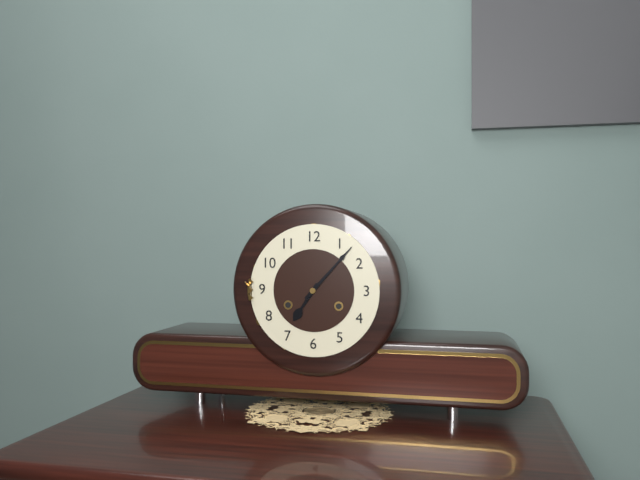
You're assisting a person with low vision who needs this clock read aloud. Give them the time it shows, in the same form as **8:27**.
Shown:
**7:07**
